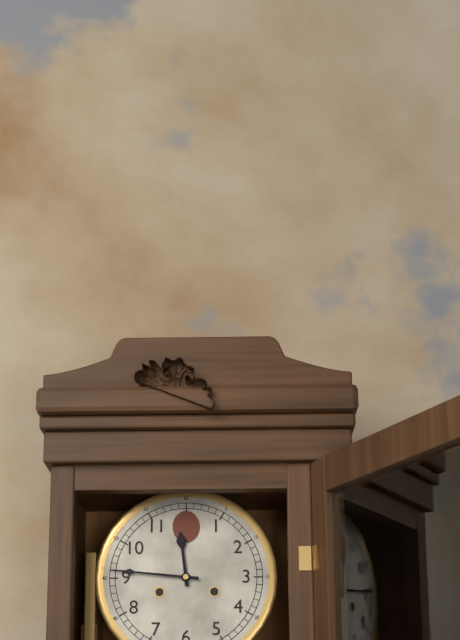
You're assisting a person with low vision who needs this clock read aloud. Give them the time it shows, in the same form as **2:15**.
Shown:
**11:46**
